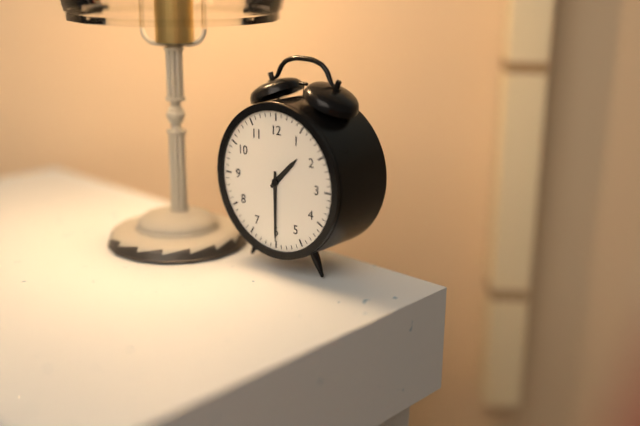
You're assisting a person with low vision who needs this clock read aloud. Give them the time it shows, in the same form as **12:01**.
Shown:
**1:30**
